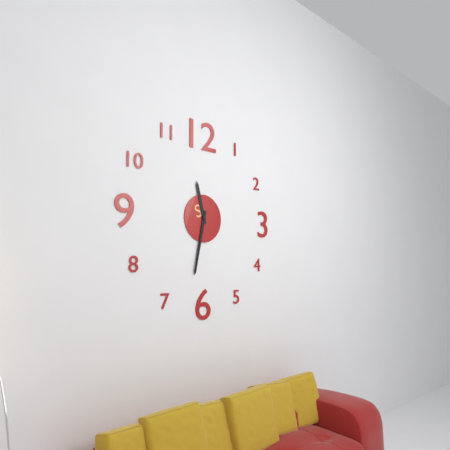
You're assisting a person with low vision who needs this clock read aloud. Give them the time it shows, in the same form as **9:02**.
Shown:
**11:32**
